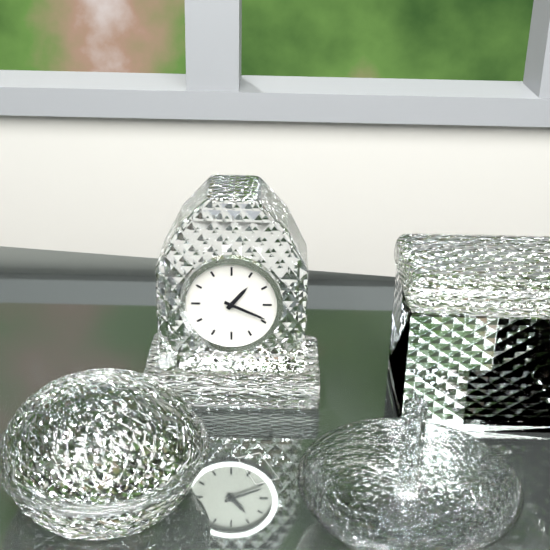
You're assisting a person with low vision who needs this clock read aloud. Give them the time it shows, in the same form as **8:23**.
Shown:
**1:19**
